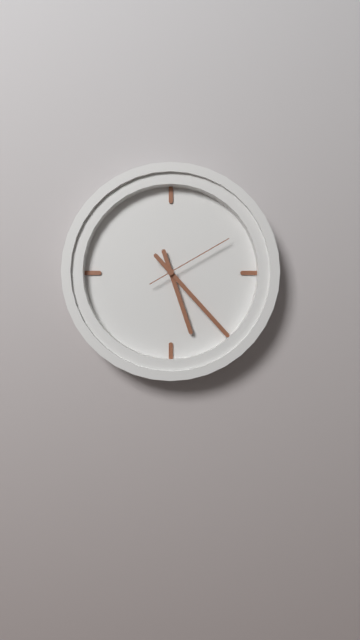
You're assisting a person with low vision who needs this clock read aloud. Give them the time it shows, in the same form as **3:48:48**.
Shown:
**5:23:10**
